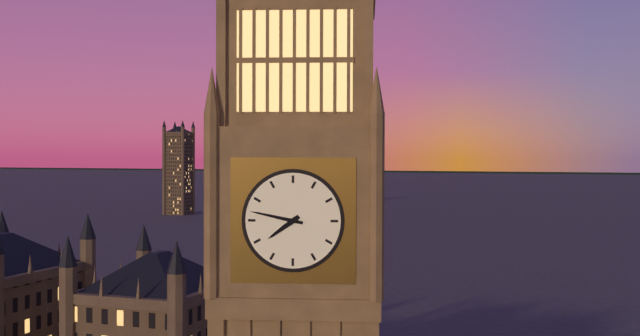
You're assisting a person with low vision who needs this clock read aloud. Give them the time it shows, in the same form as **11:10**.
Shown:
**7:47**
